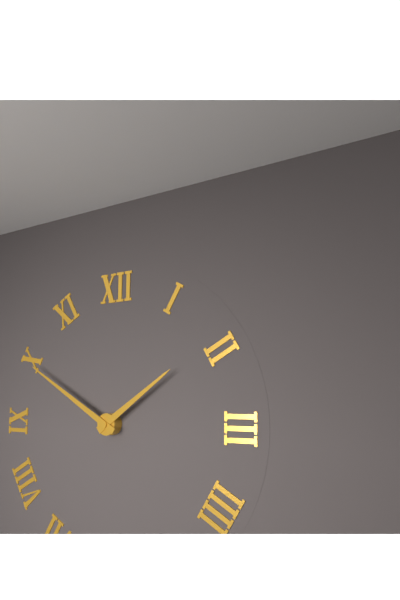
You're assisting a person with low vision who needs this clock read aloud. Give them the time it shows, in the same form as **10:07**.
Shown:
**1:50**
